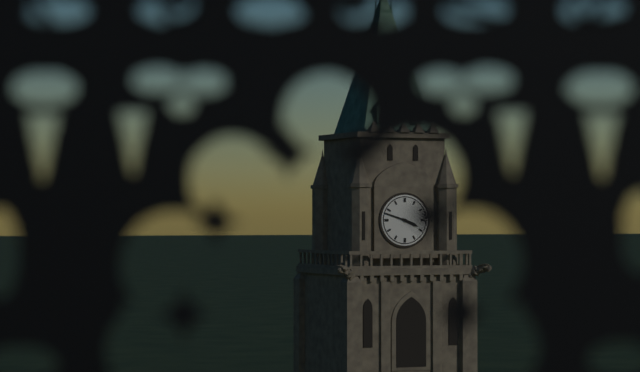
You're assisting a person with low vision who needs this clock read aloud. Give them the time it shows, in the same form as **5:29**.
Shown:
**3:48**
